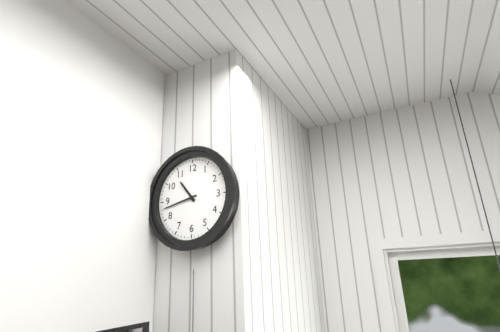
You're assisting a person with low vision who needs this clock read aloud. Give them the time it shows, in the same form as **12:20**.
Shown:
**10:43**
